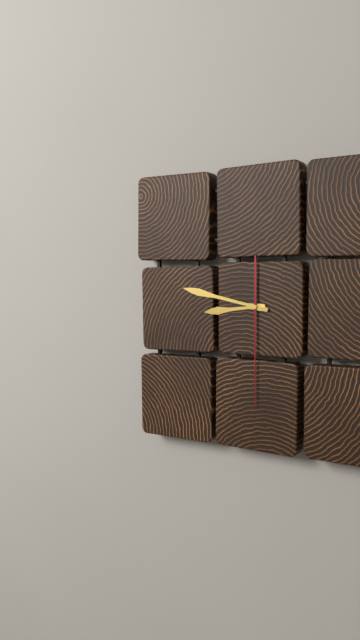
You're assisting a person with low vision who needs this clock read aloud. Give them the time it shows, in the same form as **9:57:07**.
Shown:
**8:47:30**
